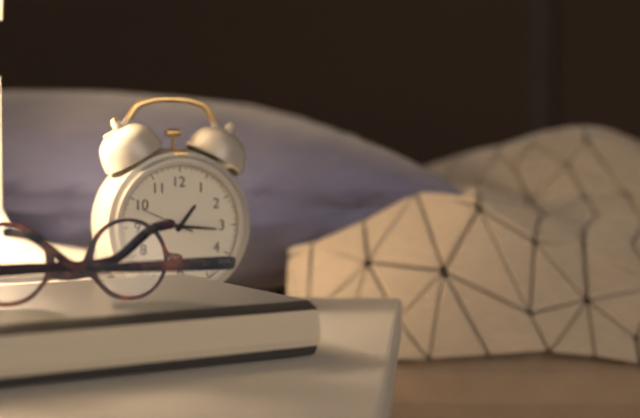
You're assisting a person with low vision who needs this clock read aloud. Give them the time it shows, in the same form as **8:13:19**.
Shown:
**1:16:49**
